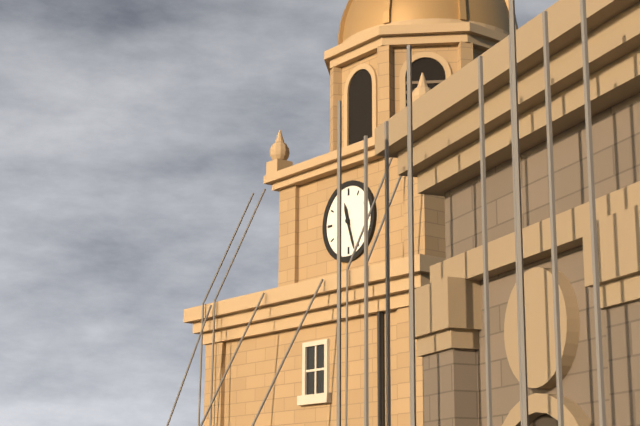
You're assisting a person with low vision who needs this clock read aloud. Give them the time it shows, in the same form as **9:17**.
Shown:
**11:27**
